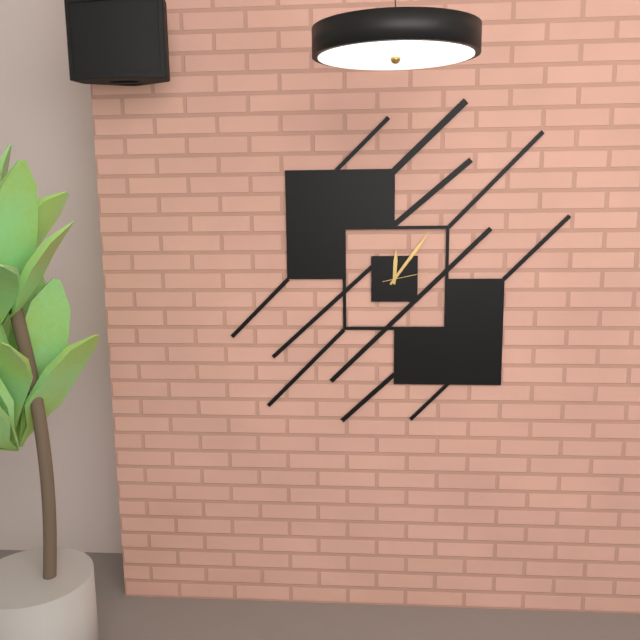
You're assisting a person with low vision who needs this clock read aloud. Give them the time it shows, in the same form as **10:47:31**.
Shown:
**12:06:13**
